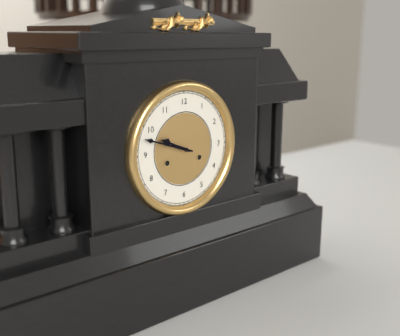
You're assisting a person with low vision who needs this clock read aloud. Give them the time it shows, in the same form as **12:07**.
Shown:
**9:48**
